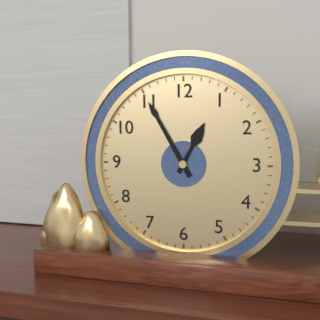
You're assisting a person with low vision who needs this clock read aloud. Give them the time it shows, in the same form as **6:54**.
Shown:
**12:55**
